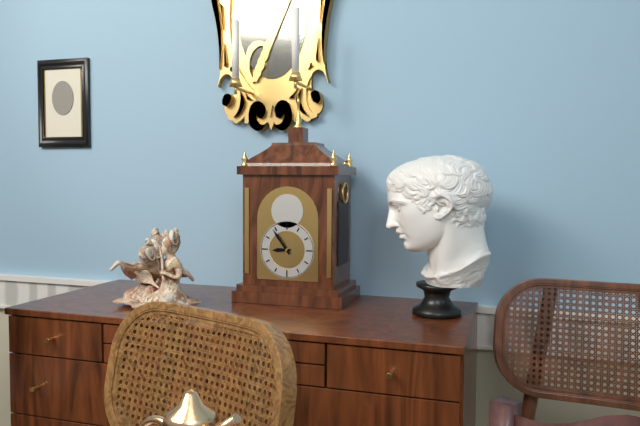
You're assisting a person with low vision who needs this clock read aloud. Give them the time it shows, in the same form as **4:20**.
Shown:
**8:54**
